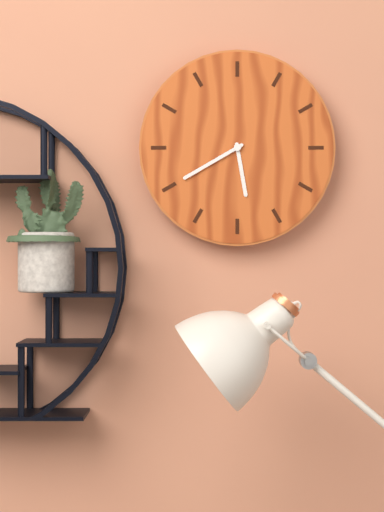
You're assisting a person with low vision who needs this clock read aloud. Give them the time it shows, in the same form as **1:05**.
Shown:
**5:40**
